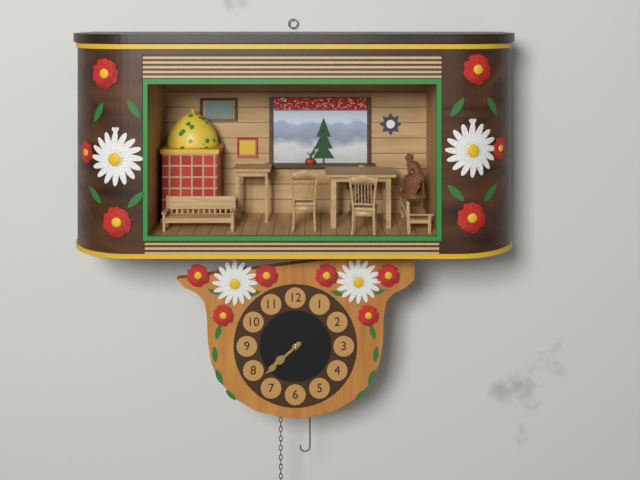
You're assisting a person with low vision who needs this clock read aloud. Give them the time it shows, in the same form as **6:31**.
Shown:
**7:38**
